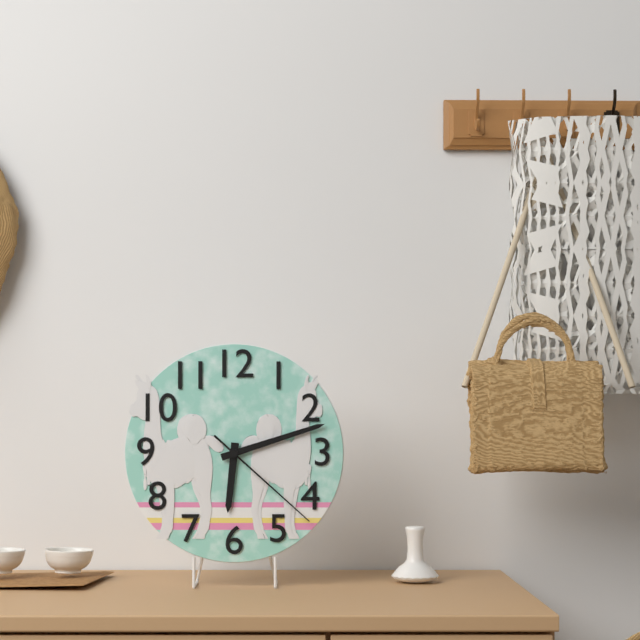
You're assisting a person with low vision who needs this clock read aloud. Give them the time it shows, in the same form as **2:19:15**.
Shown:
**6:12:22**
